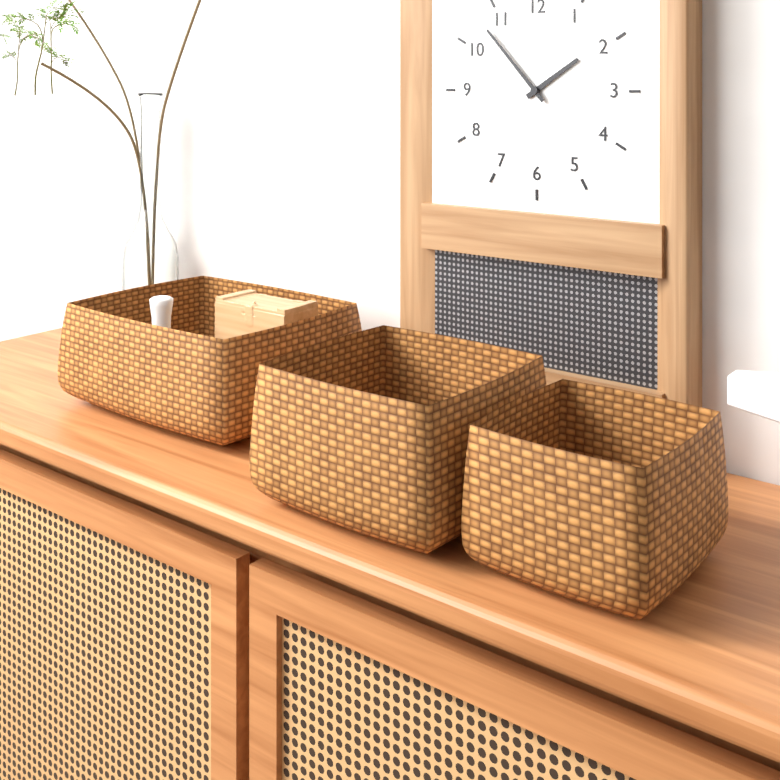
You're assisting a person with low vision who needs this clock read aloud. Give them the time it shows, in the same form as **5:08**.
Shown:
**1:53**
